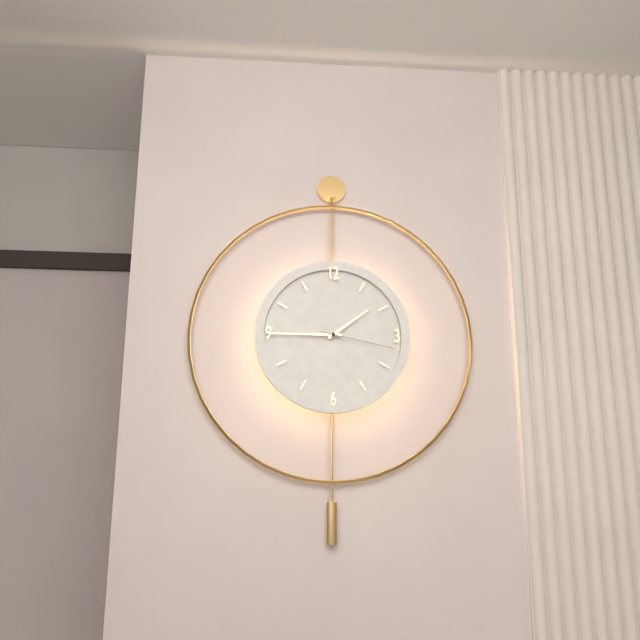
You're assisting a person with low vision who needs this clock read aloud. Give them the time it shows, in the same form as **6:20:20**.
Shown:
**1:45:17**
